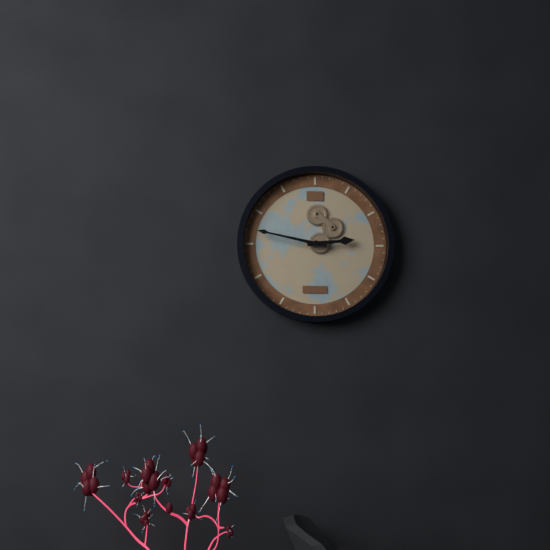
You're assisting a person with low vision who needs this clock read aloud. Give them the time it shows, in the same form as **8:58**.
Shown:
**2:47**
